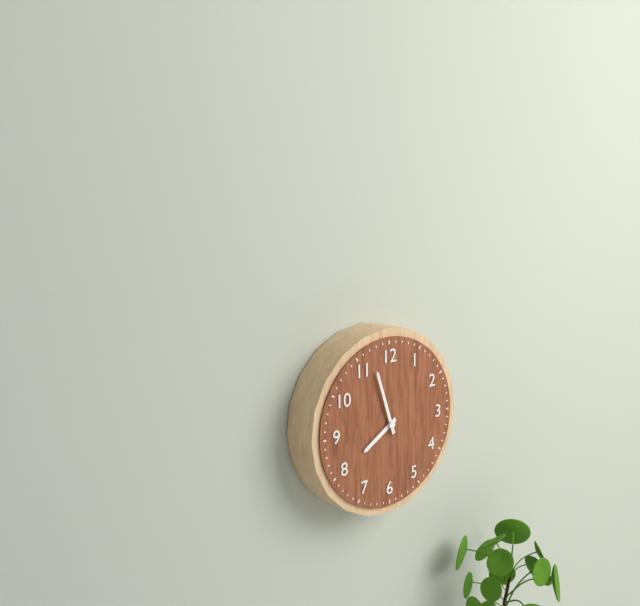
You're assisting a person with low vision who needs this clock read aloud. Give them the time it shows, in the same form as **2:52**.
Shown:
**7:57**
